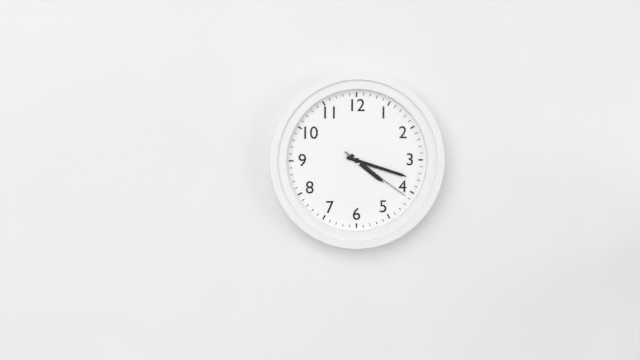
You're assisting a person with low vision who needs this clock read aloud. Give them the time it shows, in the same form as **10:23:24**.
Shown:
**4:18:21**
